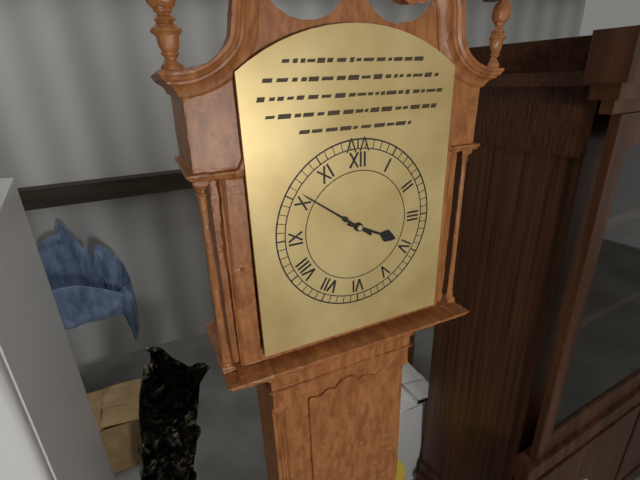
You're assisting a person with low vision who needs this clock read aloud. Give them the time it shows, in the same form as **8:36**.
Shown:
**3:51**
